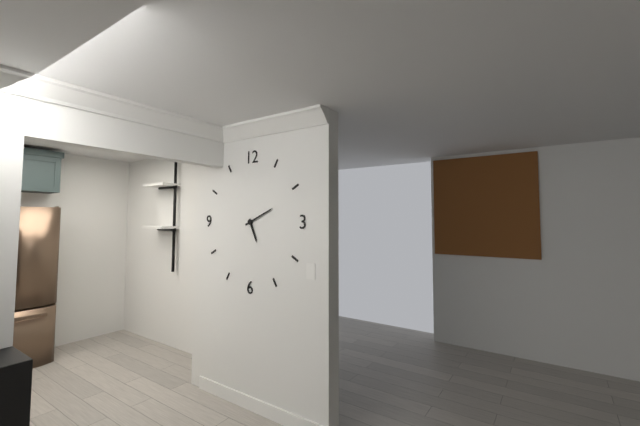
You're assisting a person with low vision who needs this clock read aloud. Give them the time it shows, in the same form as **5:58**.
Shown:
**5:11**
